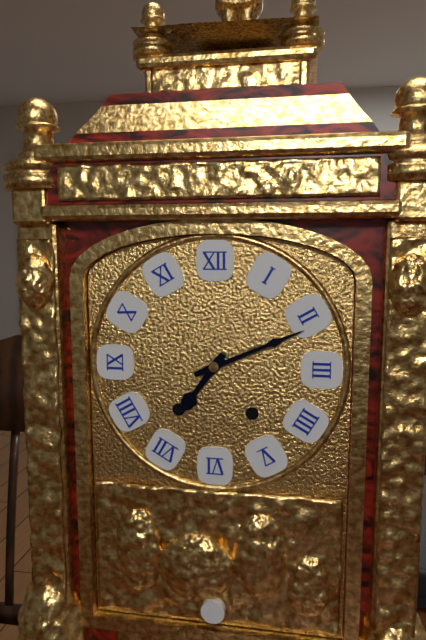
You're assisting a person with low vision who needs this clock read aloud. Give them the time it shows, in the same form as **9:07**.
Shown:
**7:11**
